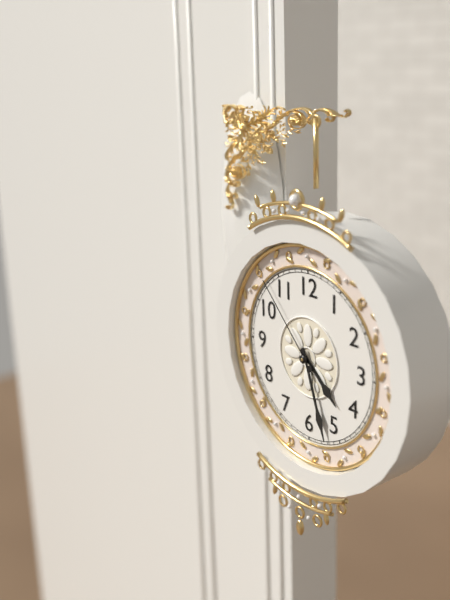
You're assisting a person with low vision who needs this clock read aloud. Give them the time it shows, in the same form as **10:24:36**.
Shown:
**4:27:53**
